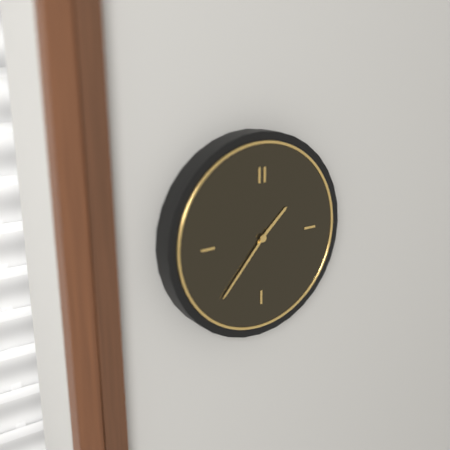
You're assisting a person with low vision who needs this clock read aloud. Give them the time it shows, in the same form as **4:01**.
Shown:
**1:37**
